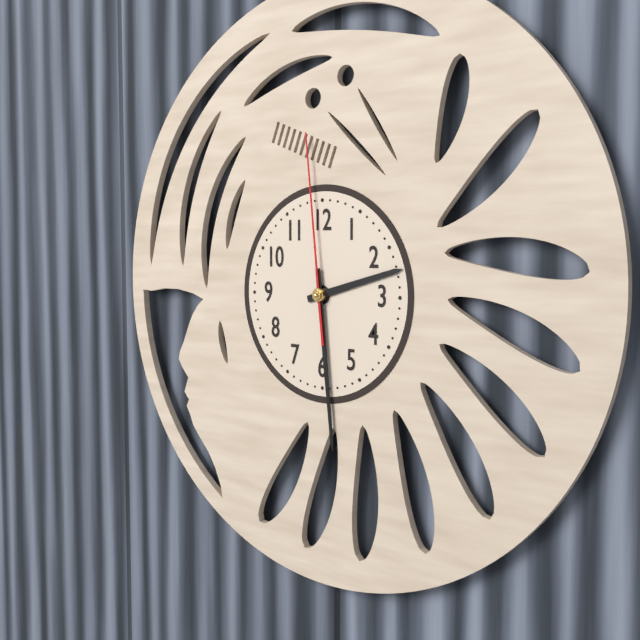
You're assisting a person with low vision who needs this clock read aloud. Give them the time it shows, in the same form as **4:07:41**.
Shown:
**2:29:59**
